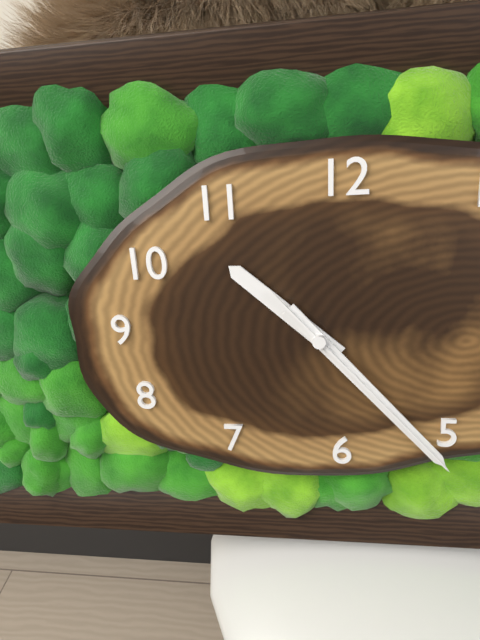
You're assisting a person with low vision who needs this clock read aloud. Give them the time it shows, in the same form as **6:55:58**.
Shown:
**10:23:23**
